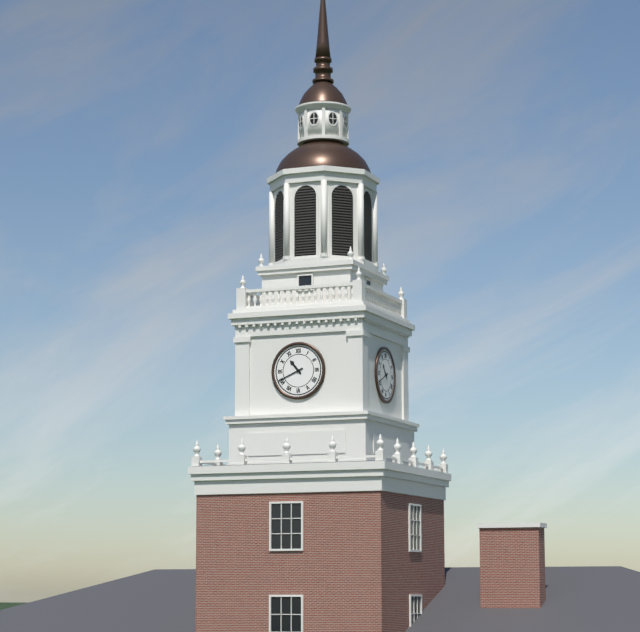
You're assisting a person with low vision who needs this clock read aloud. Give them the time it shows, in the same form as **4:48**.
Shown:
**10:41**
